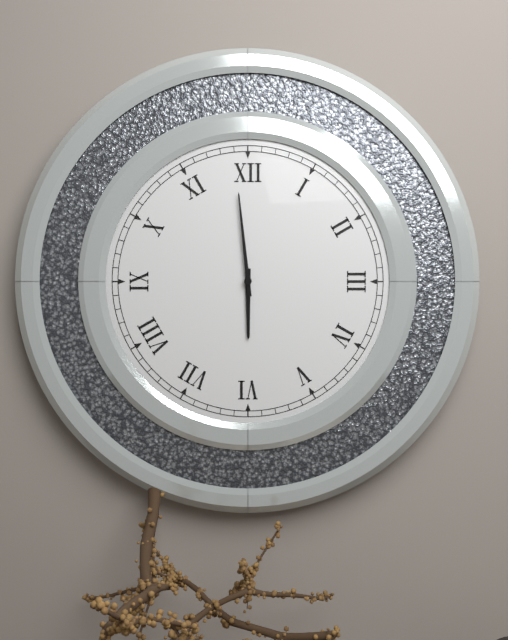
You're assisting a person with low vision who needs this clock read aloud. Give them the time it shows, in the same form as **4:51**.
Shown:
**5:59**
